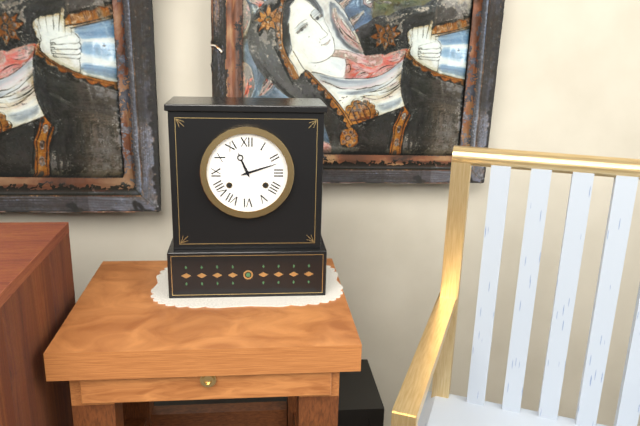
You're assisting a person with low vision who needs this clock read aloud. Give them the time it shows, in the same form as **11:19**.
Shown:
**11:12**
